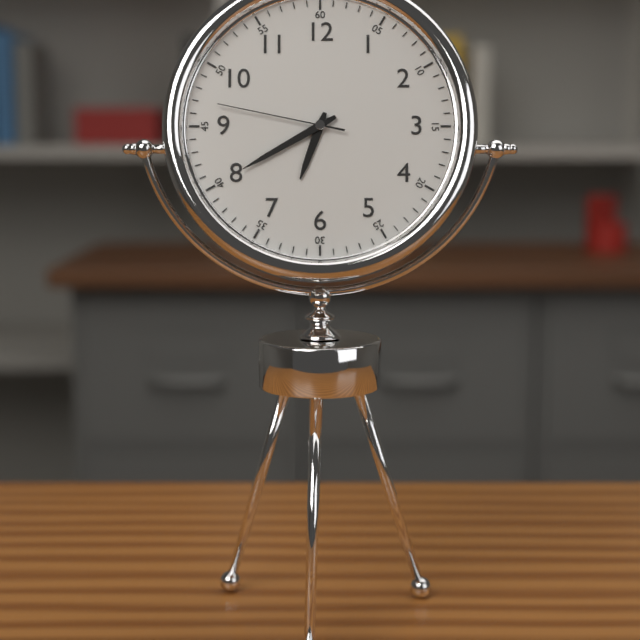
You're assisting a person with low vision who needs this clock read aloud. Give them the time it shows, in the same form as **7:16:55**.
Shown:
**6:40:47**
